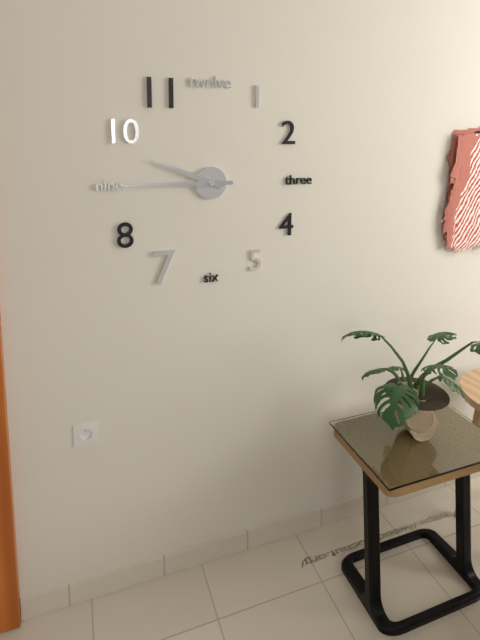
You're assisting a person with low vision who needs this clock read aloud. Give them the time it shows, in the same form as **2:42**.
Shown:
**9:45**
